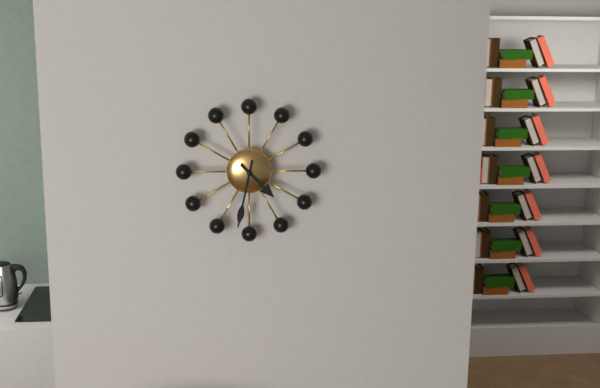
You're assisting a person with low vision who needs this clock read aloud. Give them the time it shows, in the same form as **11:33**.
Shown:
**4:32**
